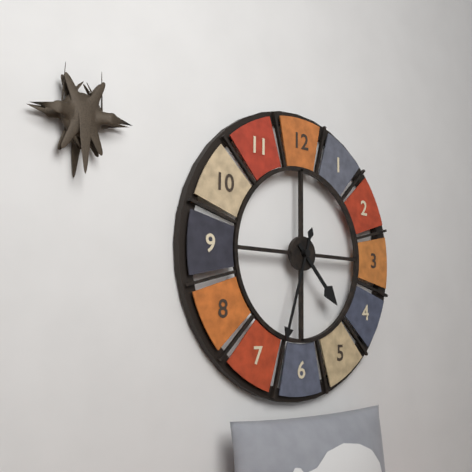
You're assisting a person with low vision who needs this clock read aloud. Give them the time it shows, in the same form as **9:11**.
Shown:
**4:33**
